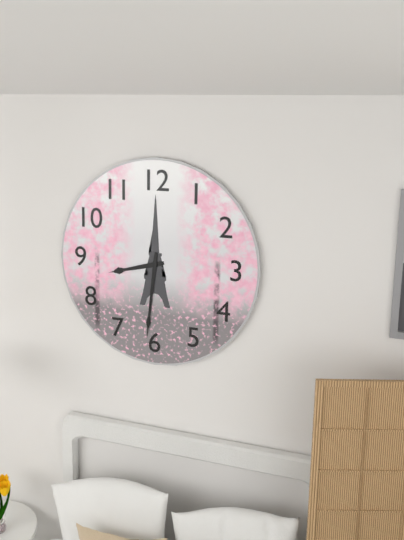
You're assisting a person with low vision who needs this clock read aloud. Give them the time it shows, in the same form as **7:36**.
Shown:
**8:31**
